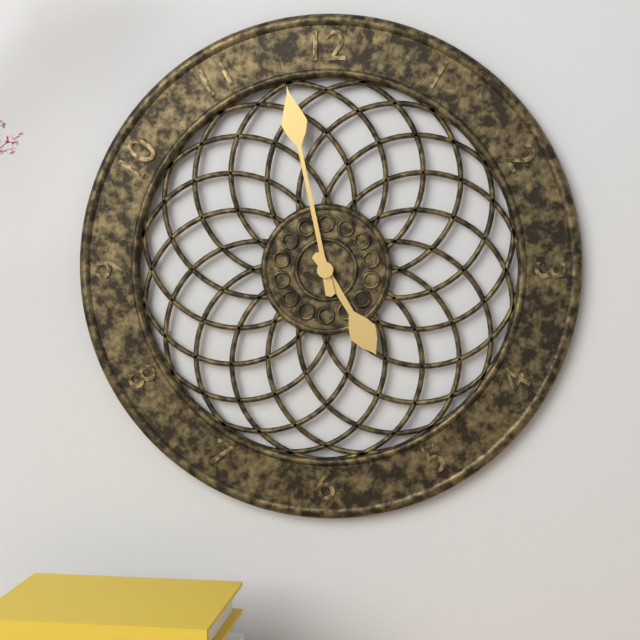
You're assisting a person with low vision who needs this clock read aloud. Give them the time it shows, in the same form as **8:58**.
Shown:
**4:58**
